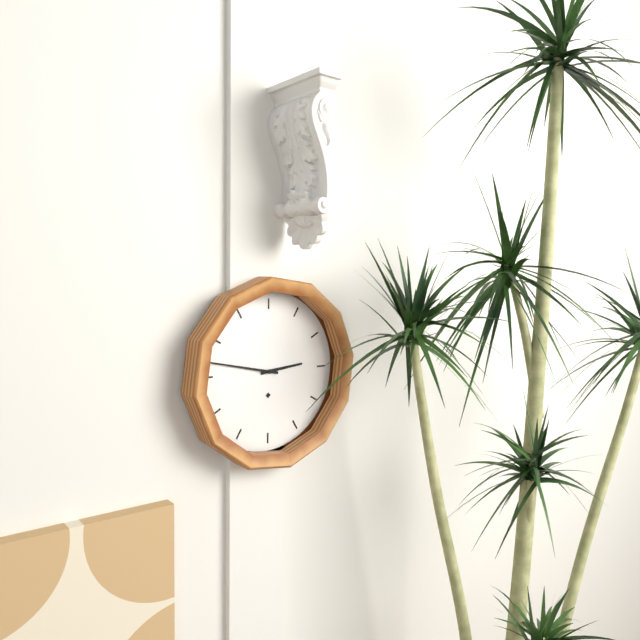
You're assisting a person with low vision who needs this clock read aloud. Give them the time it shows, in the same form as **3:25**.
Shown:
**2:47**
